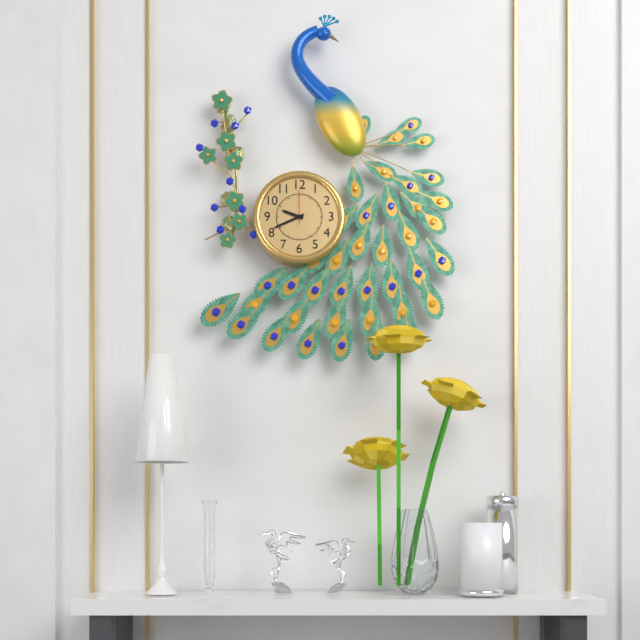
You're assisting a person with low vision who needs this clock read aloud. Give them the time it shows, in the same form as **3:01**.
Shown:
**9:41**
